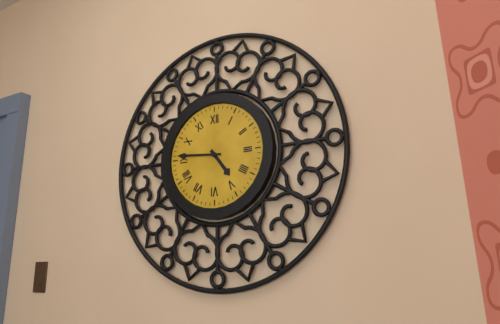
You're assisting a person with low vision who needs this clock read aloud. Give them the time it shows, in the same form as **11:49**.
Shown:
**4:46**
